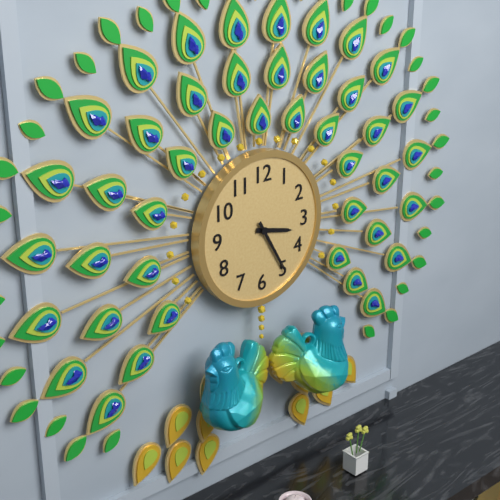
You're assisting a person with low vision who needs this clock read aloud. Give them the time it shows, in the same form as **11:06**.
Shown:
**3:25**
